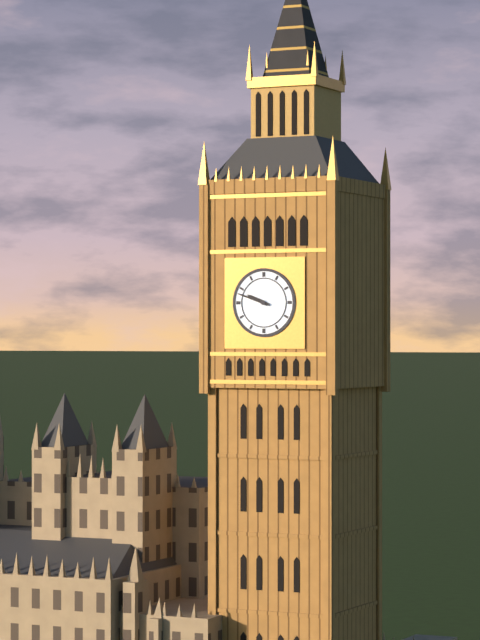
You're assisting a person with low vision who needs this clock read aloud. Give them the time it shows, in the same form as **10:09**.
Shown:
**9:48**
